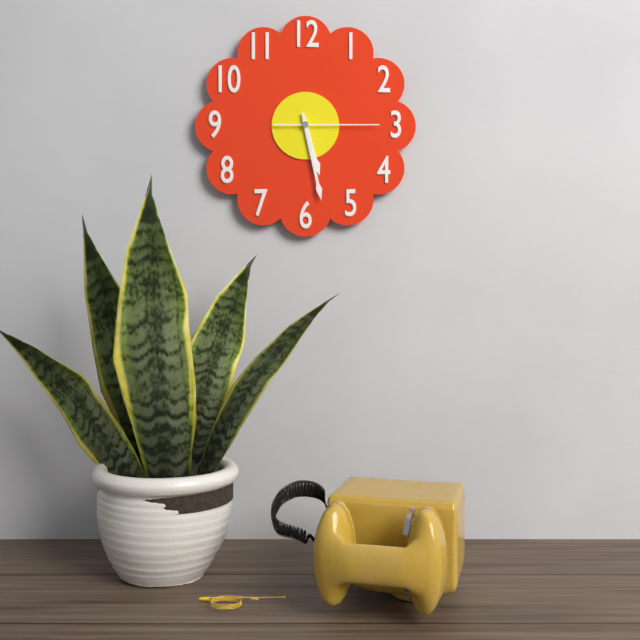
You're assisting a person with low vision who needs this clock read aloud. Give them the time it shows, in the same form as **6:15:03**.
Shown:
**5:28:15**
